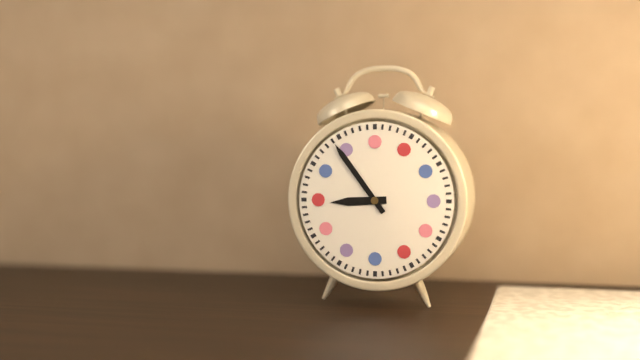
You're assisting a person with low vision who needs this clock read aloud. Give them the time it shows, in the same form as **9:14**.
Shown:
**8:54**
